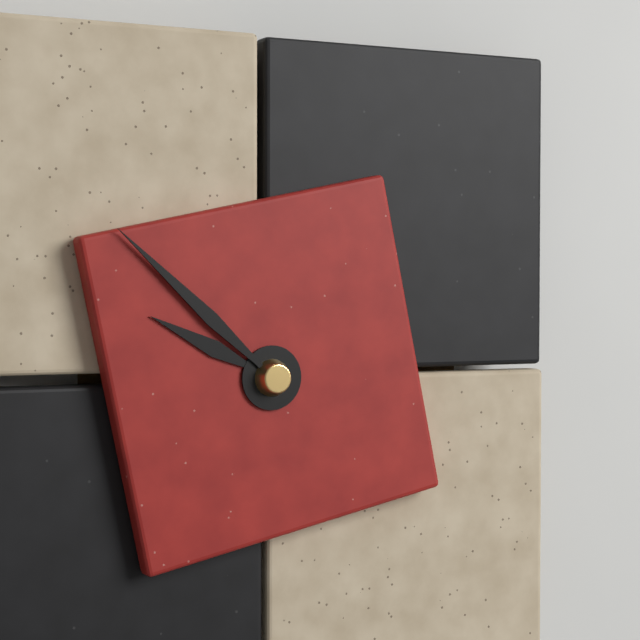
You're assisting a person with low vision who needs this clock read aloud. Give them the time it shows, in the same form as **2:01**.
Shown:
**9:52**
